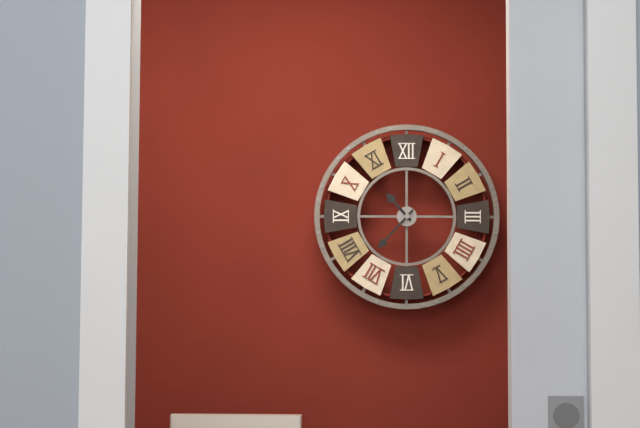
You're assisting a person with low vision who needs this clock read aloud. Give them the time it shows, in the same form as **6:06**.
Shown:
**10:37**
